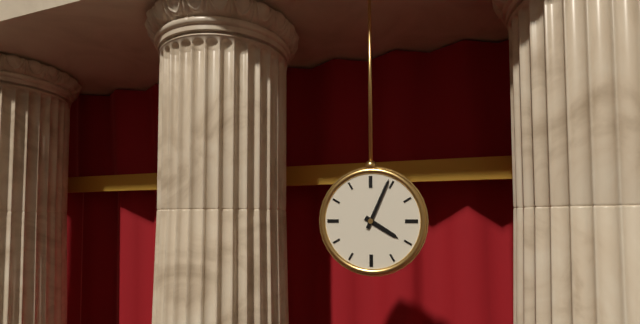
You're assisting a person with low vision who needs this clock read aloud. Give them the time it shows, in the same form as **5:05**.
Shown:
**4:04**
